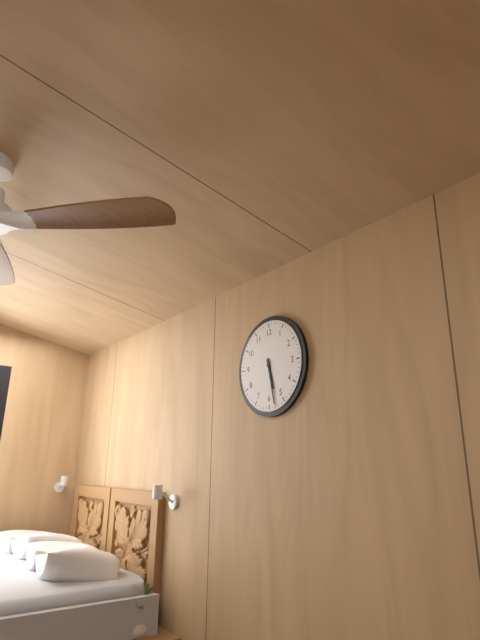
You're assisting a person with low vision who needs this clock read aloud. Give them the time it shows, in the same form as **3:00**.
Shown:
**5:28**
